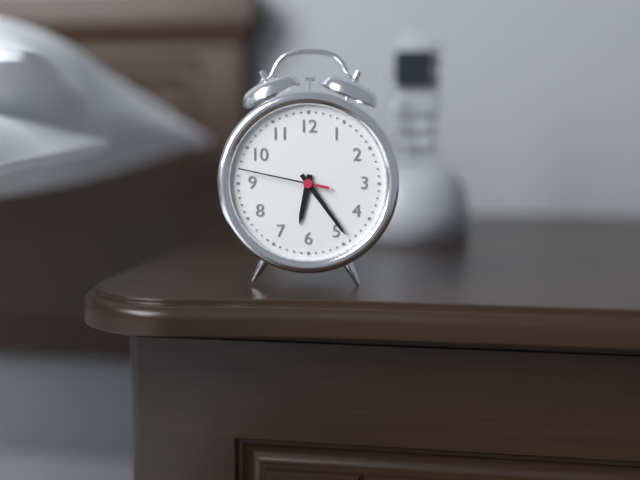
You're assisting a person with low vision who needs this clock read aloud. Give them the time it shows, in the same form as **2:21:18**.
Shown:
**6:24:47**
